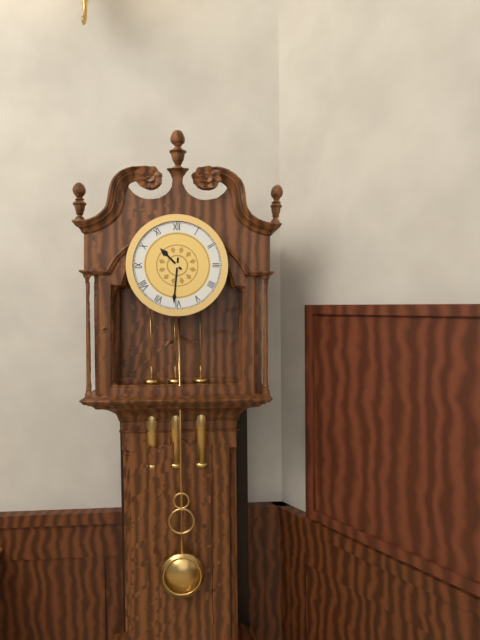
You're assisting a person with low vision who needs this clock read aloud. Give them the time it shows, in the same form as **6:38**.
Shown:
**10:31**
